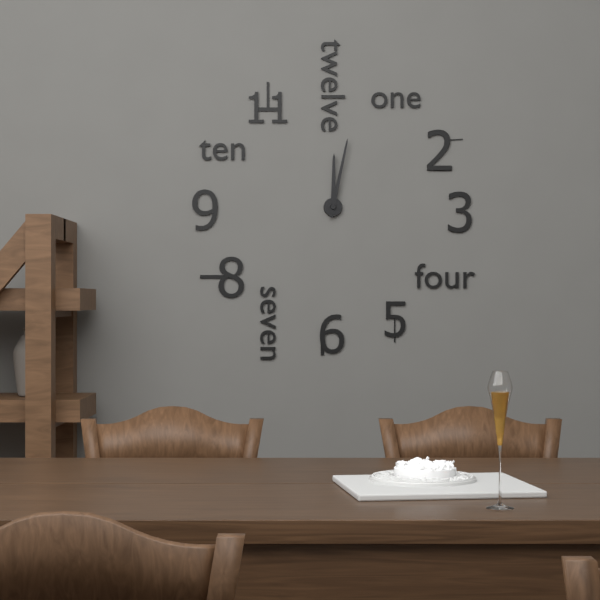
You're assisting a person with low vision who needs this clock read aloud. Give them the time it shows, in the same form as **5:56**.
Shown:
**12:02**
